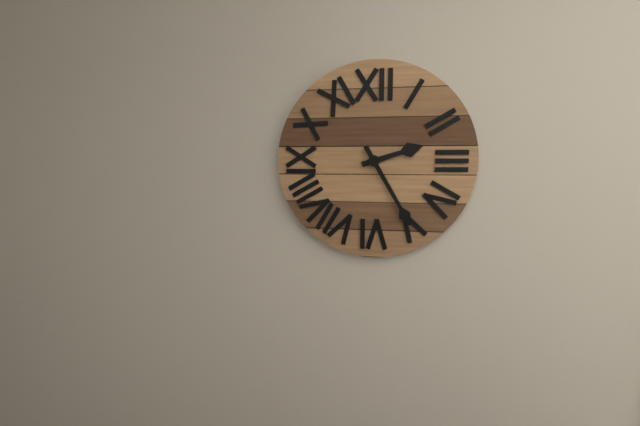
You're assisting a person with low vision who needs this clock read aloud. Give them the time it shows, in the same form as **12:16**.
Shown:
**2:25**
